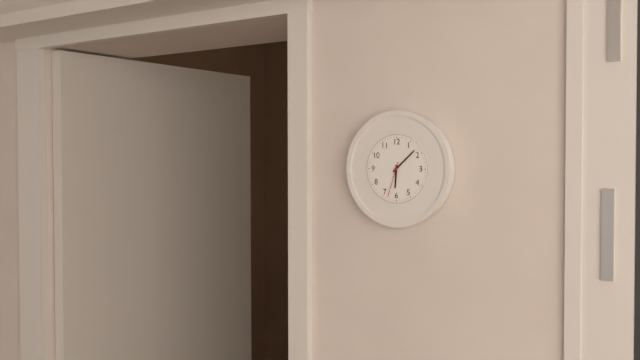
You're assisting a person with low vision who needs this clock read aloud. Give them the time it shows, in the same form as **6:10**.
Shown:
**6:08**
